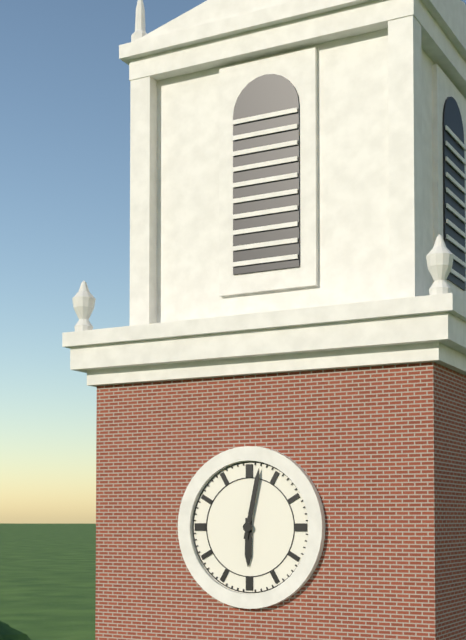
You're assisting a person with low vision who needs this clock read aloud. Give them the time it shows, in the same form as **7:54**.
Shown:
**6:02**
